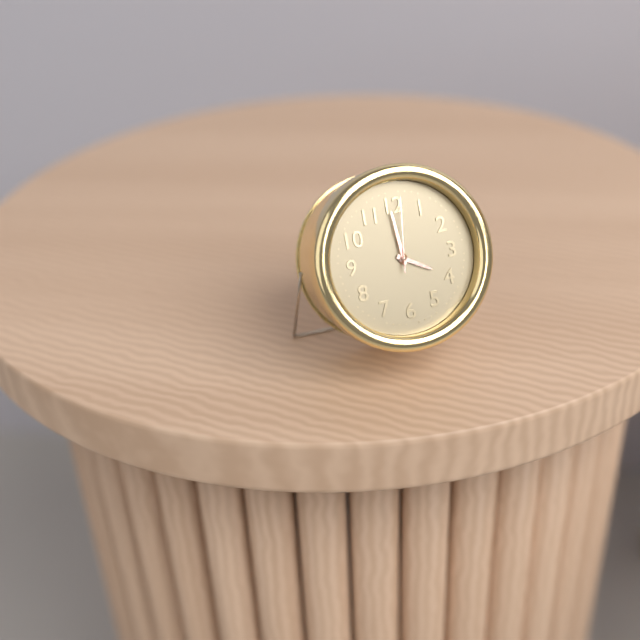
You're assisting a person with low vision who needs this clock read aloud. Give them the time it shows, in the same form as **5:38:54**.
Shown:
**3:59:01**
